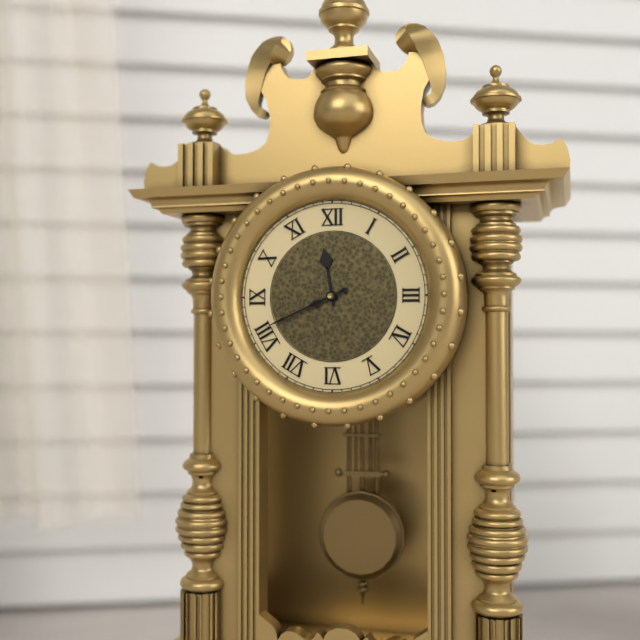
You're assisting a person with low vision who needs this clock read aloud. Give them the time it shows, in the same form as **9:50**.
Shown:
**11:41**
